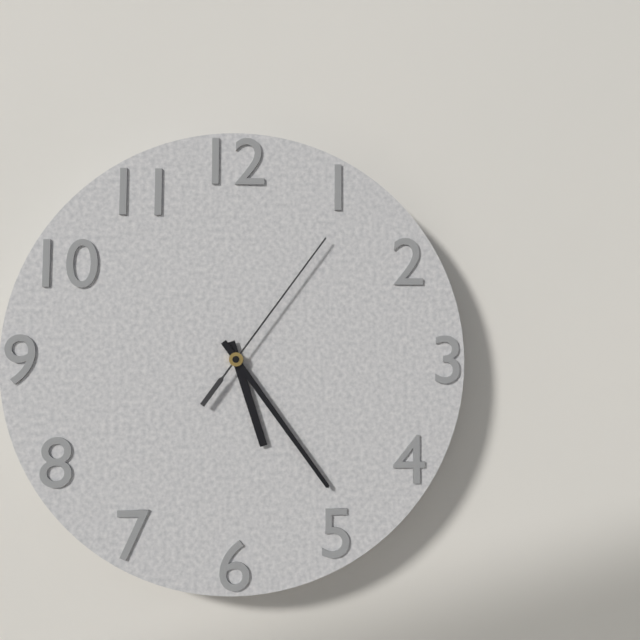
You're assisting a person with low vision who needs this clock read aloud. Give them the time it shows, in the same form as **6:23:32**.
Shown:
**5:24:06**
